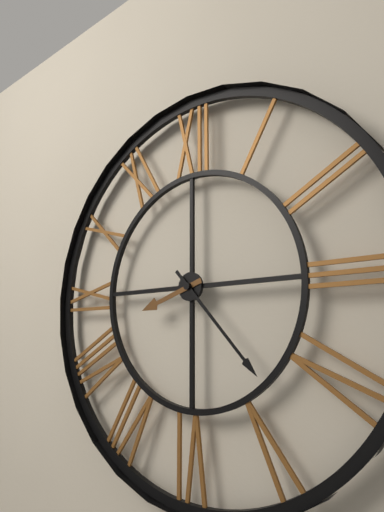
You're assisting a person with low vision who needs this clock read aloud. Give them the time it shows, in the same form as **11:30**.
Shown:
**8:23**
